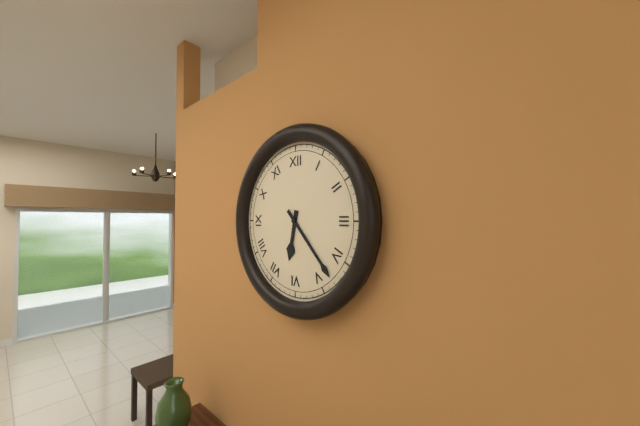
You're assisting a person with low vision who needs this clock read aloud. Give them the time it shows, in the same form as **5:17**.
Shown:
**6:23**
